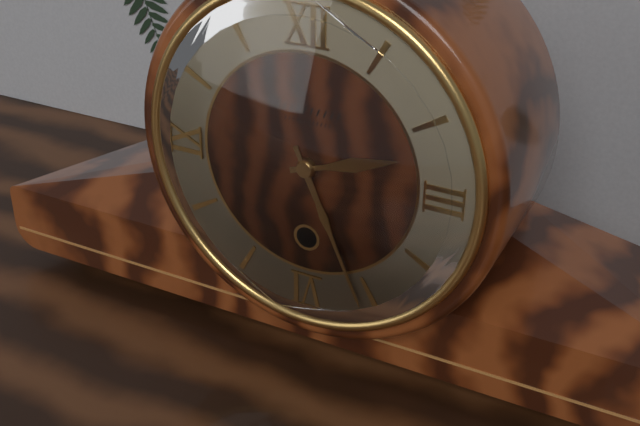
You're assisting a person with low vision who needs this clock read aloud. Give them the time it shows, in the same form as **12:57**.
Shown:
**2:26**
